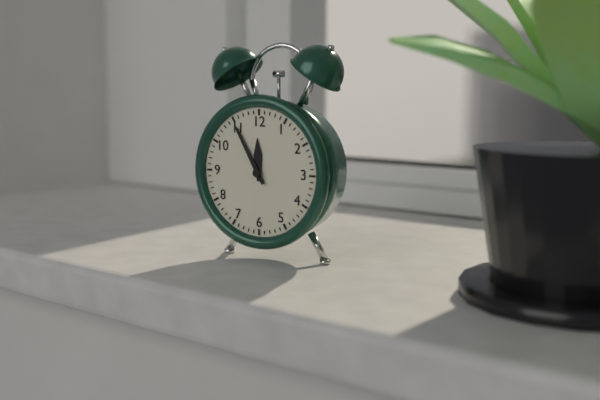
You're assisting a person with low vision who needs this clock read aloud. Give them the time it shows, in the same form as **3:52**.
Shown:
**11:55**
